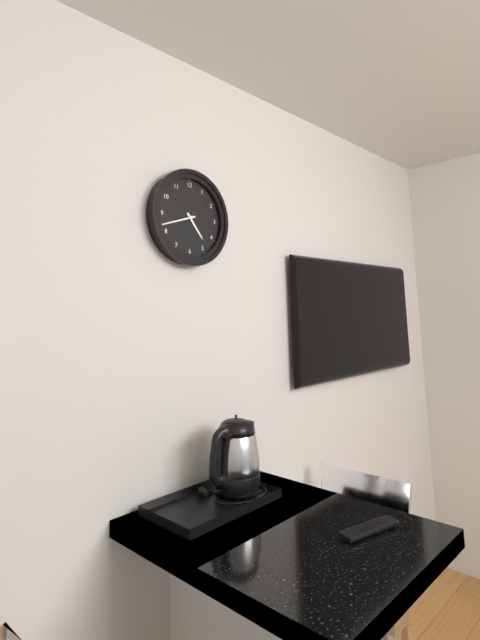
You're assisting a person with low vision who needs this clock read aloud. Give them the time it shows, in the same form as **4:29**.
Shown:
**4:42**
